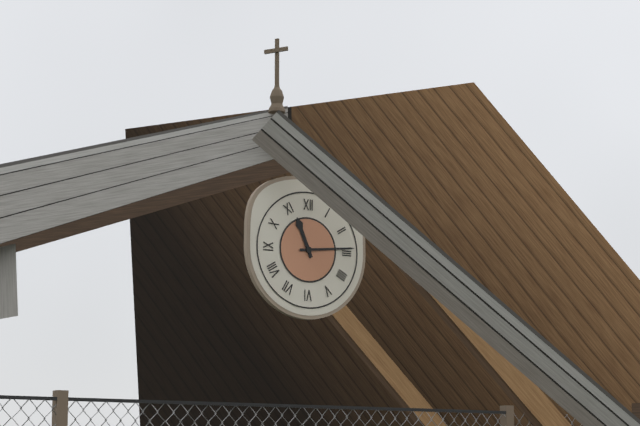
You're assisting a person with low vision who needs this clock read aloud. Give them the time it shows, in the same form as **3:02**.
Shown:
**11:14**
